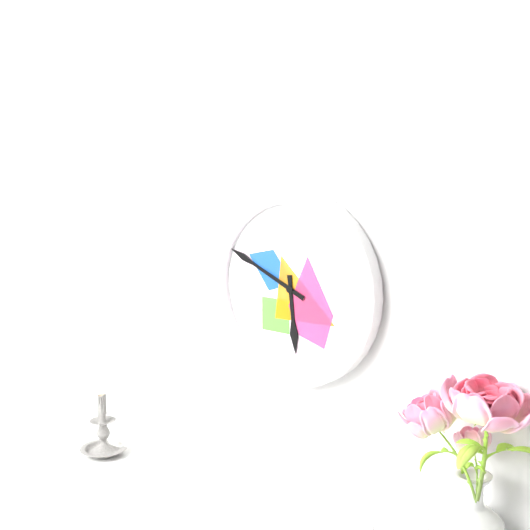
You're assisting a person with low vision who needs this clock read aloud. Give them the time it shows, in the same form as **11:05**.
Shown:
**5:49**
